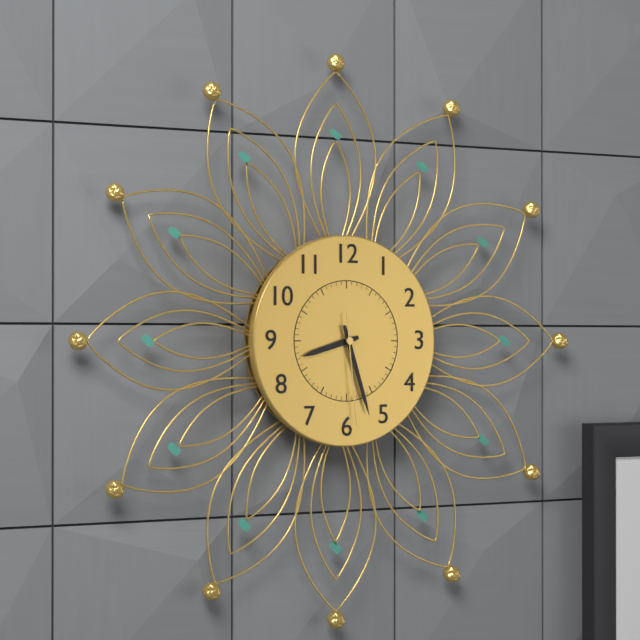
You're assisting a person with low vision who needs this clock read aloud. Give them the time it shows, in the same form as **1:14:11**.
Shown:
**8:27:29**
